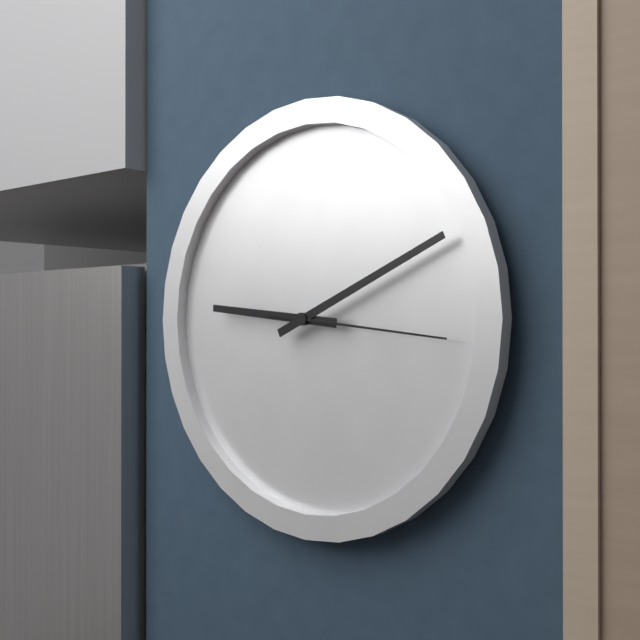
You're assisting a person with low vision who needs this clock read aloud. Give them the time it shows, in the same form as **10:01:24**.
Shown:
**9:11:16**
